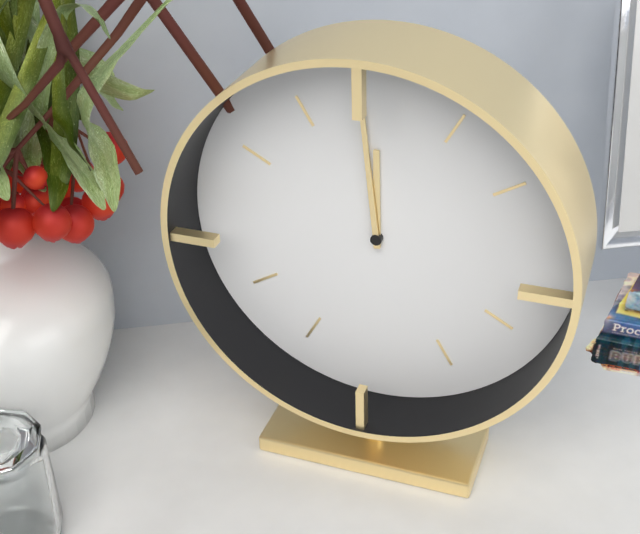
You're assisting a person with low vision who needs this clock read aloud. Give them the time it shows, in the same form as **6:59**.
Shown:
**11:59**
